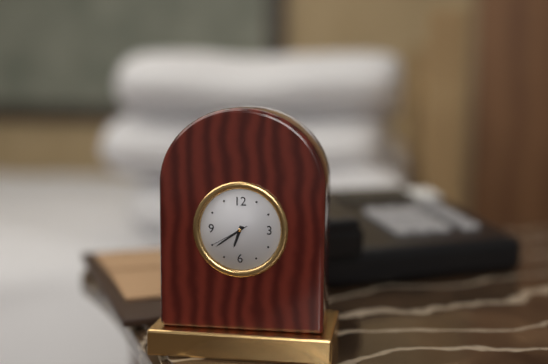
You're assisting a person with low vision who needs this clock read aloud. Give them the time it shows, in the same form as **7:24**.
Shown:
**6:39**
